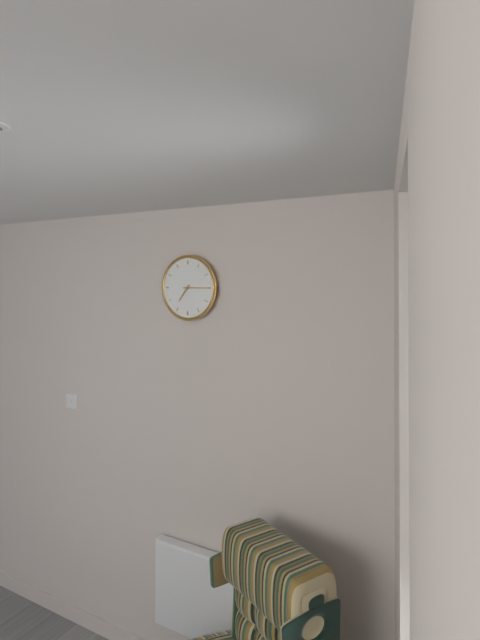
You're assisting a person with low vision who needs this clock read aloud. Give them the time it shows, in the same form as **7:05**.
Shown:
**7:15**
